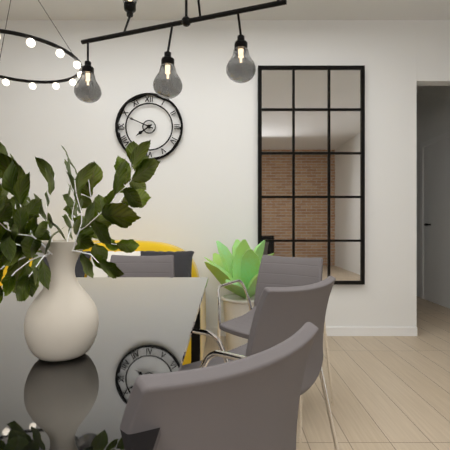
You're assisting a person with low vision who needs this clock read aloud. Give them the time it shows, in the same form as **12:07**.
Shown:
**7:49**
